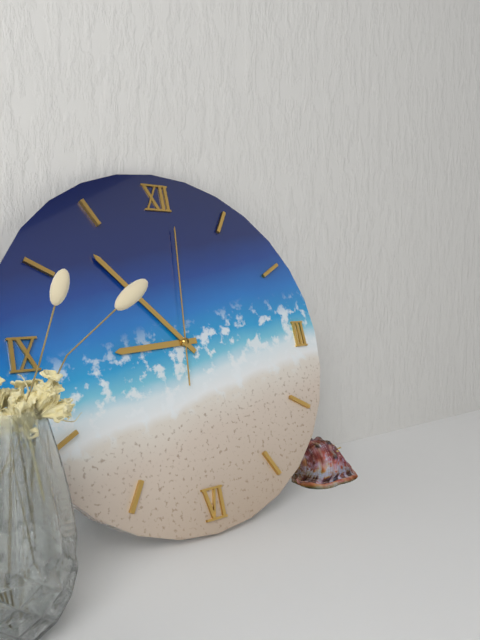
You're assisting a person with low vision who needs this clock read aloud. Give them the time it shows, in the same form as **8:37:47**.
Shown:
**8:53:01**
